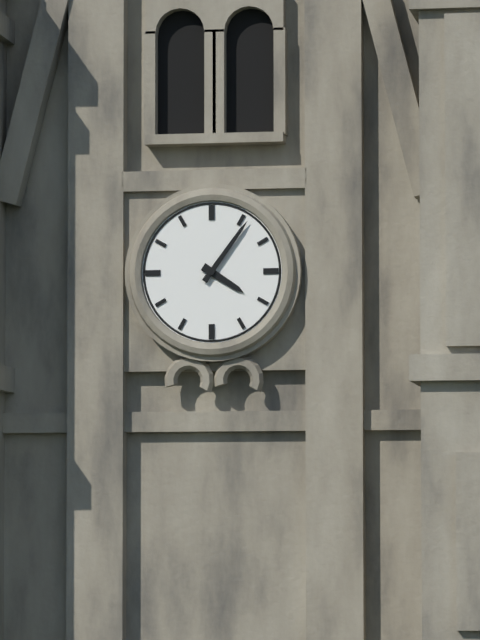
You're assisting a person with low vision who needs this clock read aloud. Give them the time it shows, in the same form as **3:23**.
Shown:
**4:06**
